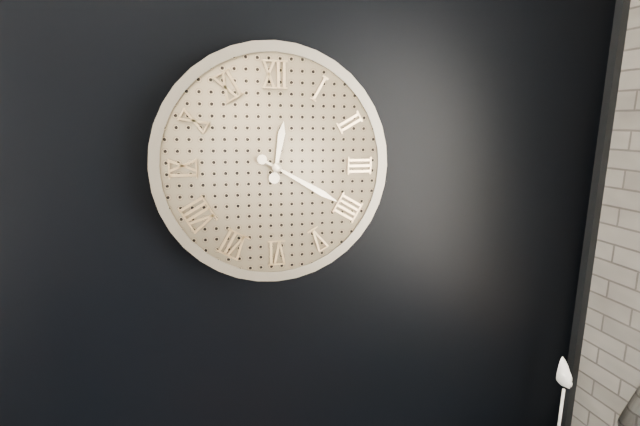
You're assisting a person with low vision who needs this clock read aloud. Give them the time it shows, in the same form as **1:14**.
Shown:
**12:20**
